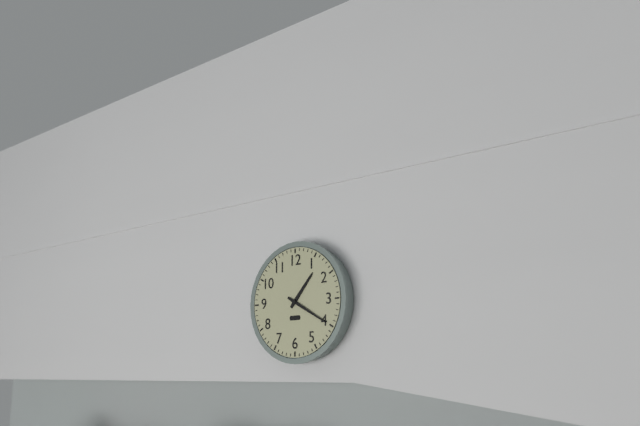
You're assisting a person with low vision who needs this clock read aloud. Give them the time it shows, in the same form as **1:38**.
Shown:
**1:20**
